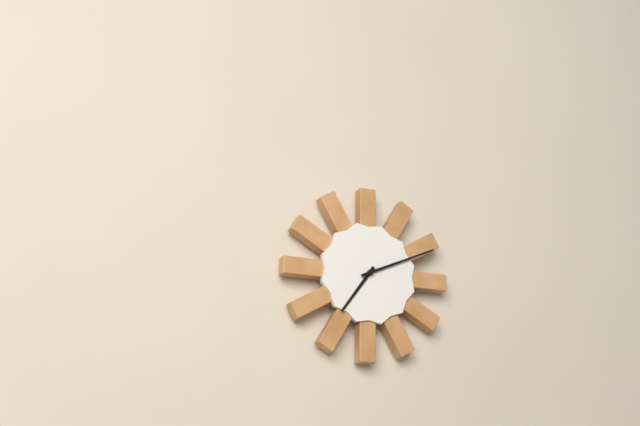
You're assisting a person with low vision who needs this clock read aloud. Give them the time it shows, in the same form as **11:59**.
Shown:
**7:11**
